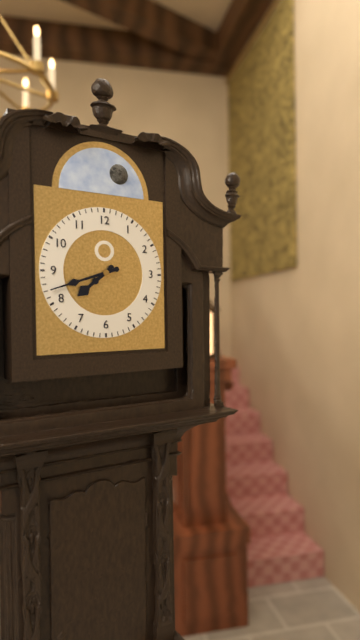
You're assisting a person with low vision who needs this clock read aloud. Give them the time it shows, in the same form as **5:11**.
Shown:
**7:42**
